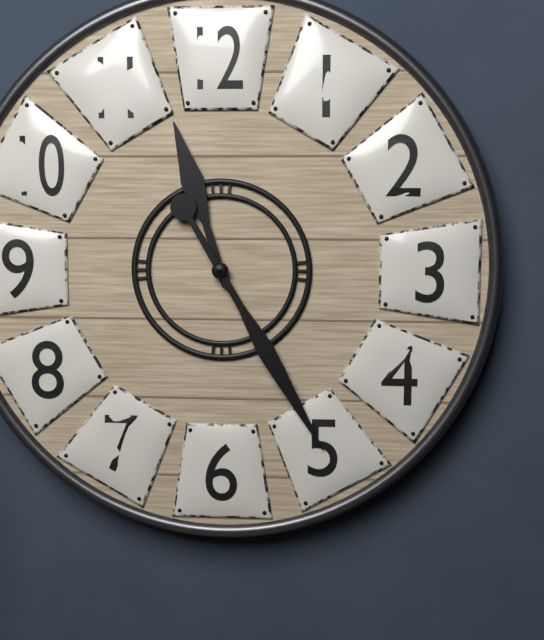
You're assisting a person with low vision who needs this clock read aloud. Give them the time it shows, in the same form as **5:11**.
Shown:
**11:25**
